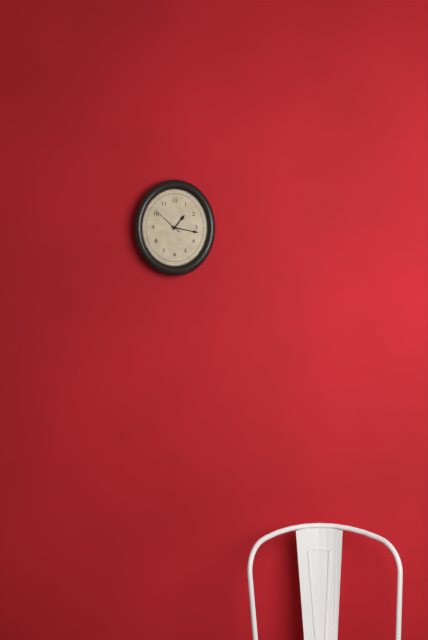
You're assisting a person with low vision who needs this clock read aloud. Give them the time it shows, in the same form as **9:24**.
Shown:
**1:17**
